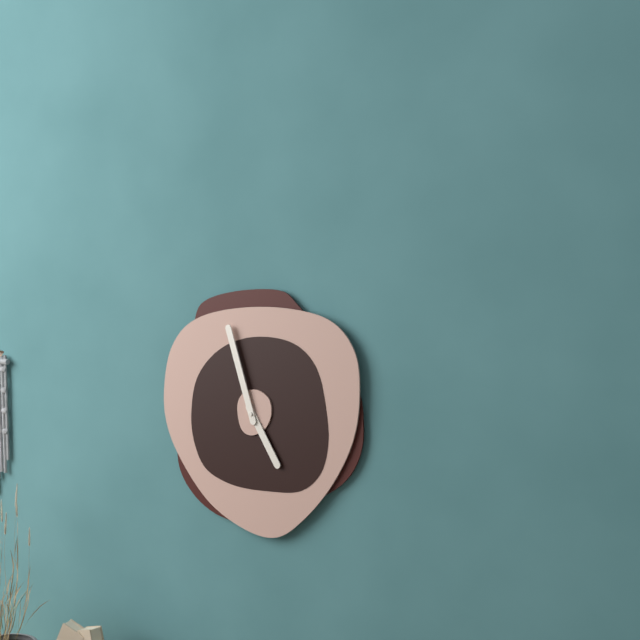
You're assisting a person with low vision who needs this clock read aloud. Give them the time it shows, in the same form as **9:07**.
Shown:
**4:57**
